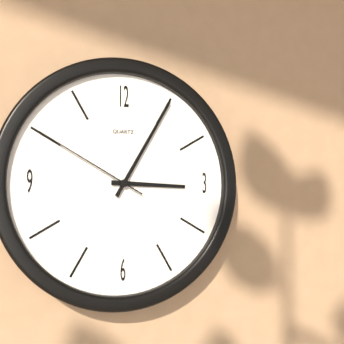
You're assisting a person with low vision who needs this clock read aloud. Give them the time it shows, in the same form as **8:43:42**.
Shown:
**3:05:50**
